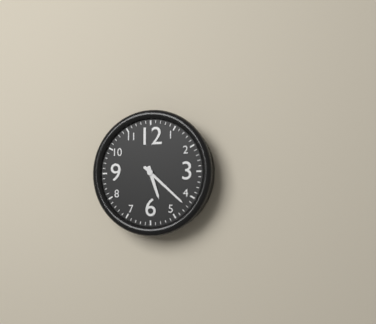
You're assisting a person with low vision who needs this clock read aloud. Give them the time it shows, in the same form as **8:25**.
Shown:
**5:22**
